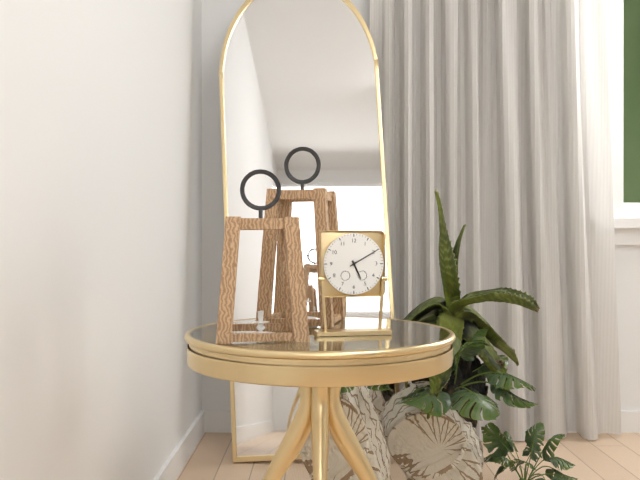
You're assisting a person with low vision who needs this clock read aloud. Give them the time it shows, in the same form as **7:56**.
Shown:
**5:10**
